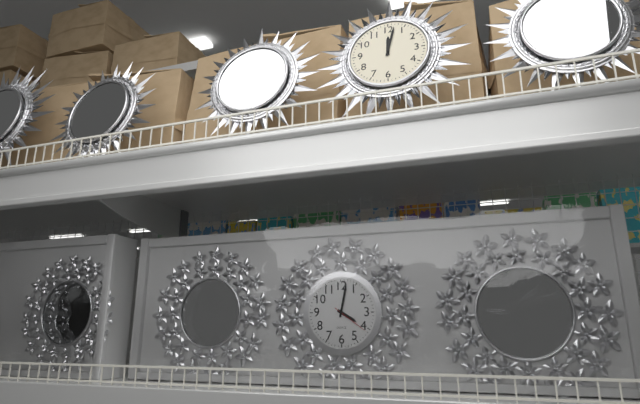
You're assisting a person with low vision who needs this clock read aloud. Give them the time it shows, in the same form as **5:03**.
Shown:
**4:02**
